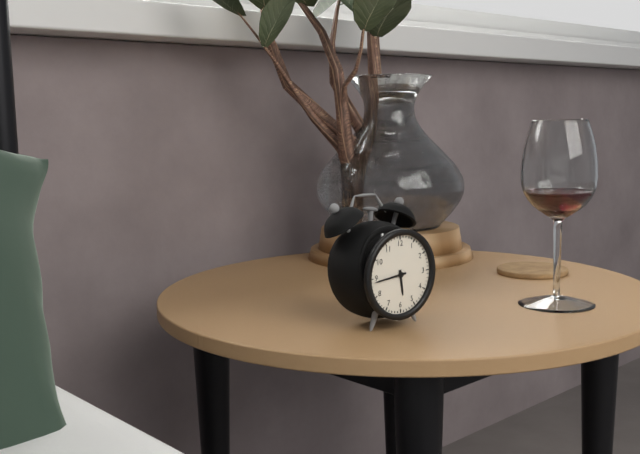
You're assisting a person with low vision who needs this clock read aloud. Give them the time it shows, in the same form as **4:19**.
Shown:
**5:44**
